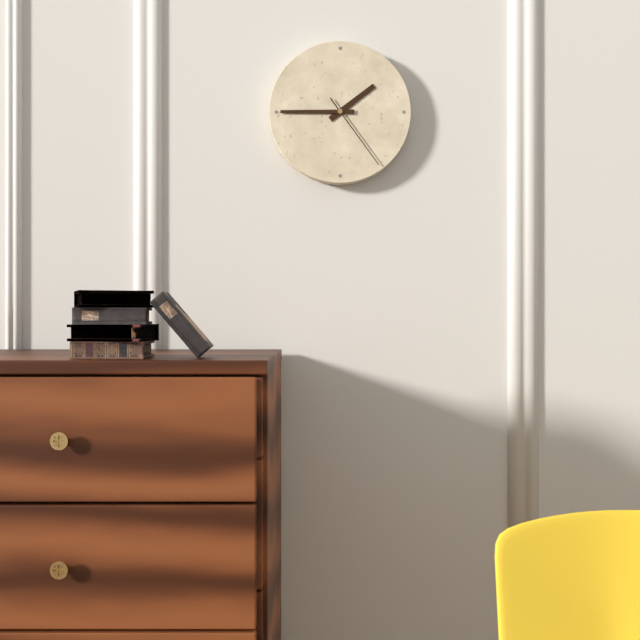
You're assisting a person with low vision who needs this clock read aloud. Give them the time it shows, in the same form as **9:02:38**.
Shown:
**1:45:24**
